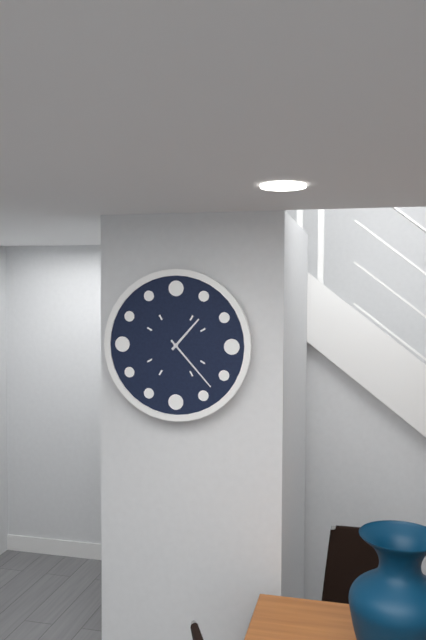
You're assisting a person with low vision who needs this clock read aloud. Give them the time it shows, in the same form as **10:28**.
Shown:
**1:23**
